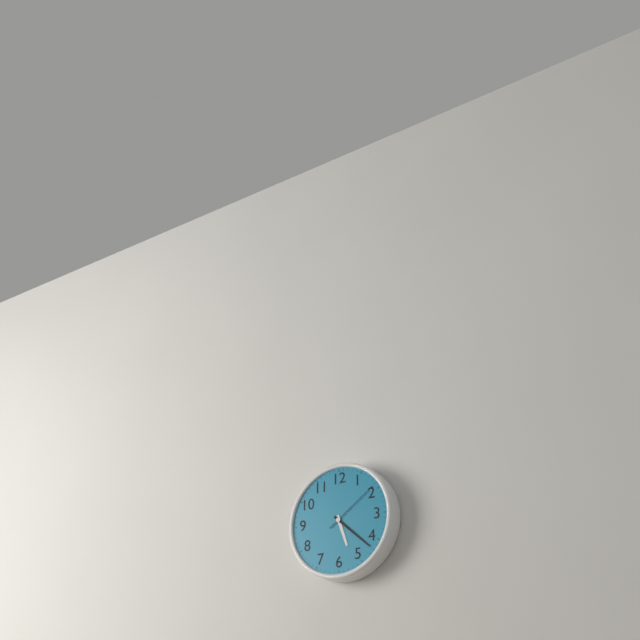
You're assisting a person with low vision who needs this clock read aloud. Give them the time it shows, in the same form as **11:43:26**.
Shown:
**5:22:09**
